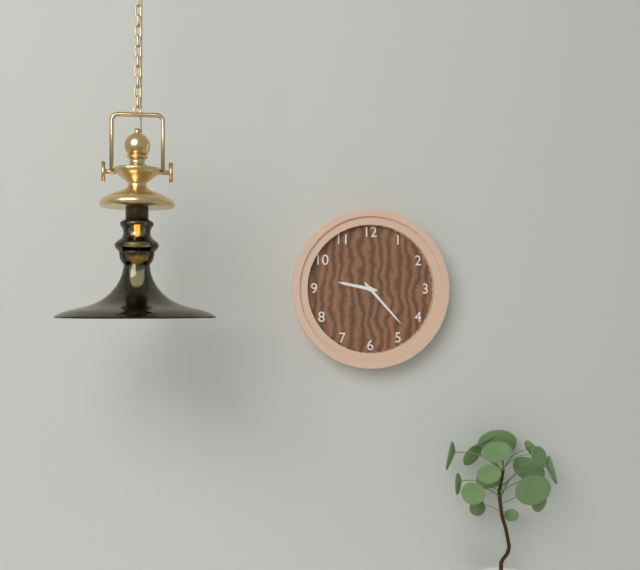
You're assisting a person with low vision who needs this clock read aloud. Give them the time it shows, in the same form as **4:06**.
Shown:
**9:23**
